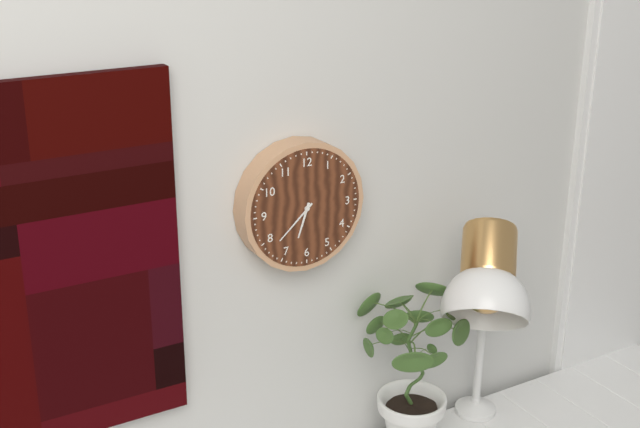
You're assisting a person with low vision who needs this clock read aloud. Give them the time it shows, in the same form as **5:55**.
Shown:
**6:38**
